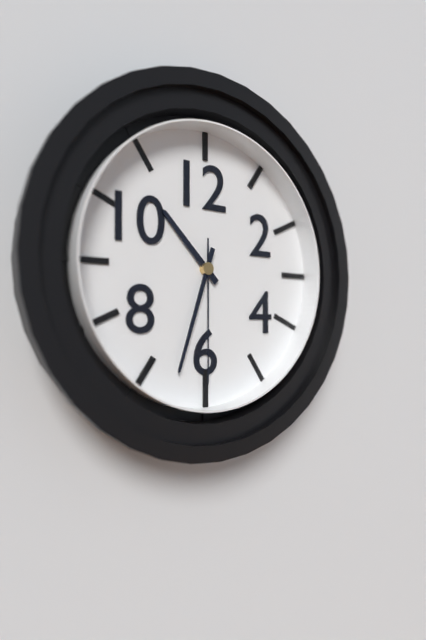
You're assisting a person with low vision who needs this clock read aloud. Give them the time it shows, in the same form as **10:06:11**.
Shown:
**10:33:30**
